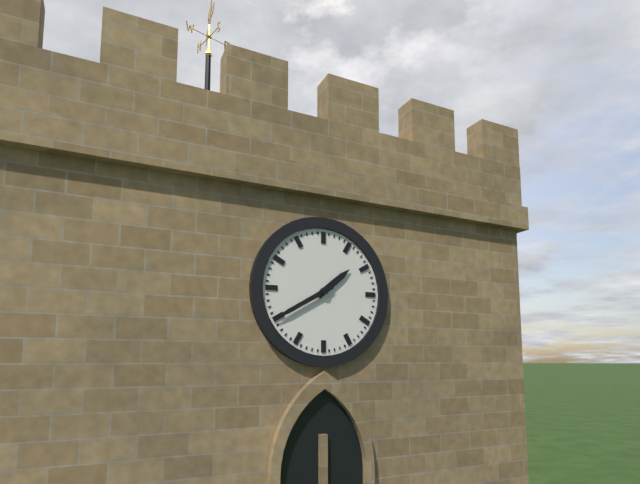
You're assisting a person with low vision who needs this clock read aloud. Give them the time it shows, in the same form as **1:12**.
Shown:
**1:40**
